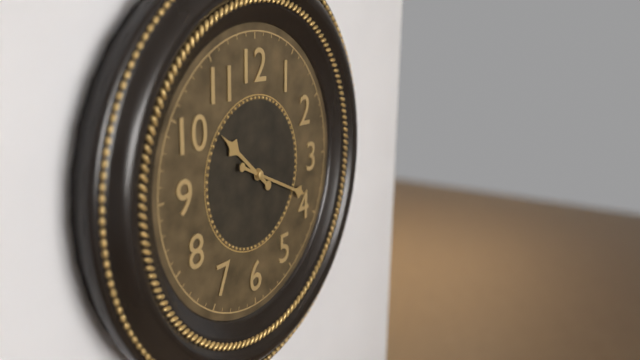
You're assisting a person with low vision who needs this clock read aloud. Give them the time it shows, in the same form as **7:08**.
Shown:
**10:19**
